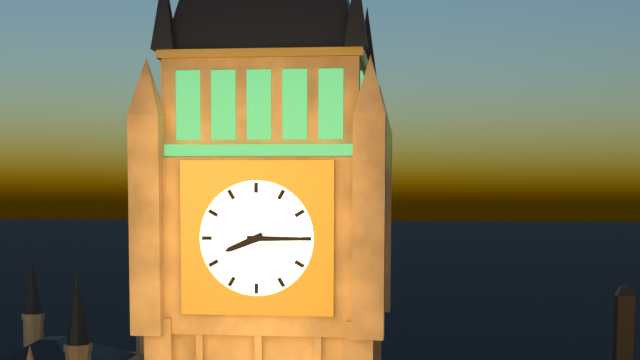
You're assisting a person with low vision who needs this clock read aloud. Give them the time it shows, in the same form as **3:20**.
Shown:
**8:15**
